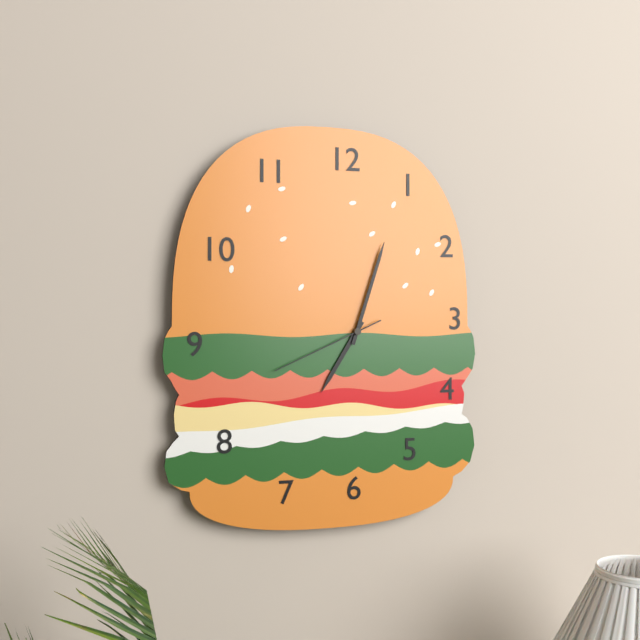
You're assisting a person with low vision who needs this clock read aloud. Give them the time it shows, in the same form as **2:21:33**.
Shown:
**7:03:41**
